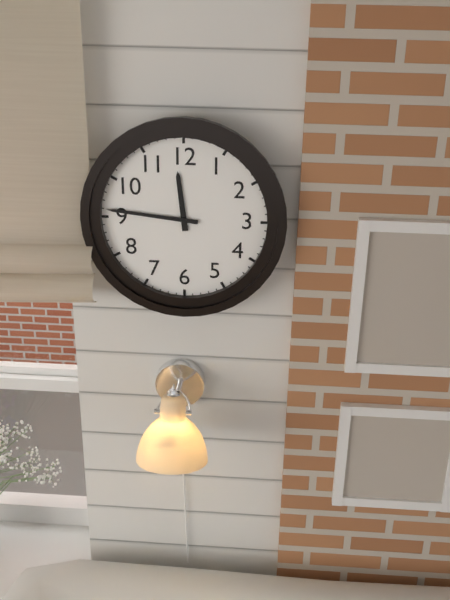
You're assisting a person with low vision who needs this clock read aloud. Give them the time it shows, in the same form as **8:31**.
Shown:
**11:46**
